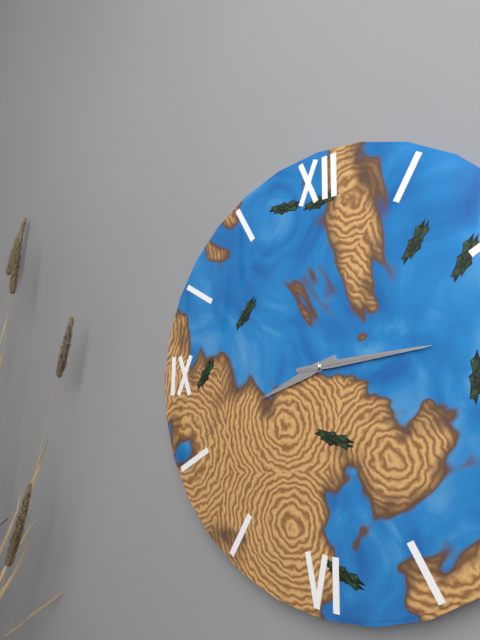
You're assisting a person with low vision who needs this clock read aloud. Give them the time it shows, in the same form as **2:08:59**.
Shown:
**8:14:14**
